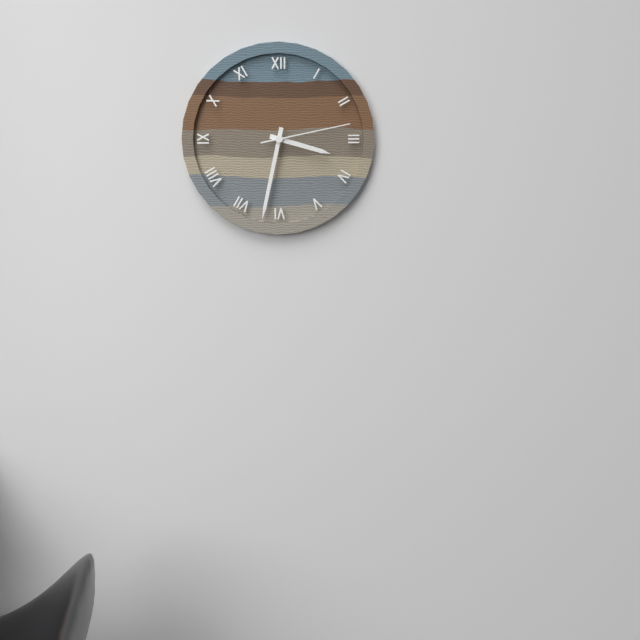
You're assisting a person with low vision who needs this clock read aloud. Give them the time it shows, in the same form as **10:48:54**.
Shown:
**3:32:13**
